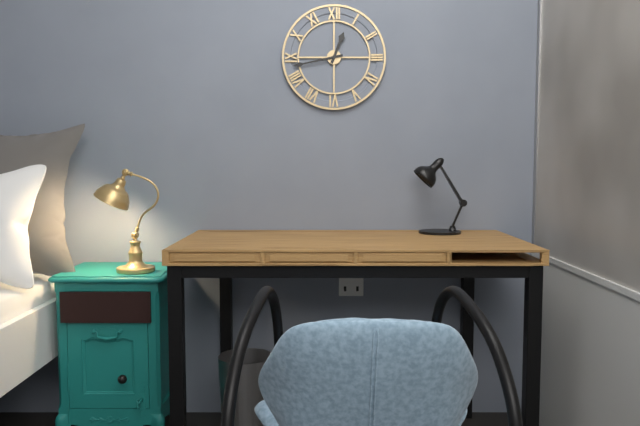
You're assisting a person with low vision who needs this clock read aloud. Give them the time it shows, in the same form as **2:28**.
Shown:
**12:43**
